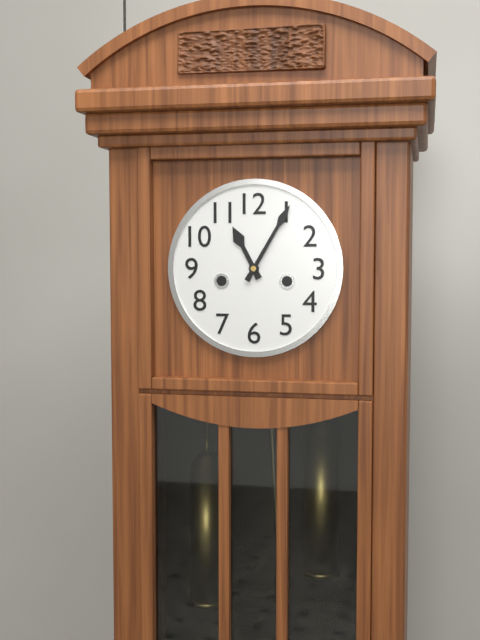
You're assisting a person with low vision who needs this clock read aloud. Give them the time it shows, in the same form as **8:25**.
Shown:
**11:05**
